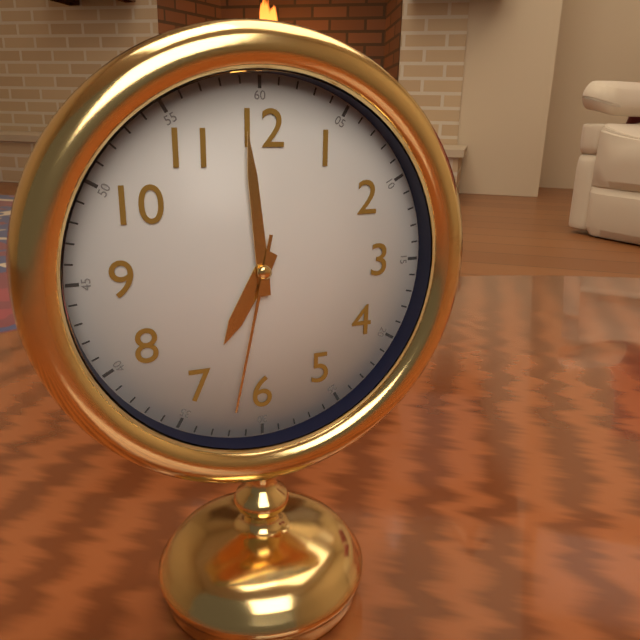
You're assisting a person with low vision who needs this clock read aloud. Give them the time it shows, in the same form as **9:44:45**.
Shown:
**6:59:32**
